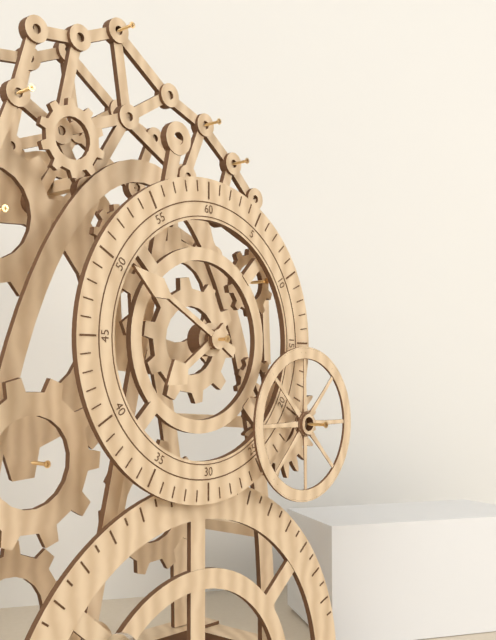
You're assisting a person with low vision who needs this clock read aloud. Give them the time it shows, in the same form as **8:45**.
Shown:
**7:50**
